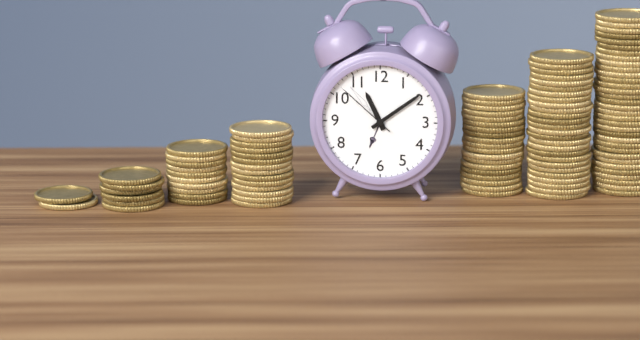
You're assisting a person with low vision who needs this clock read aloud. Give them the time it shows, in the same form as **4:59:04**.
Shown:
**11:09:52**
